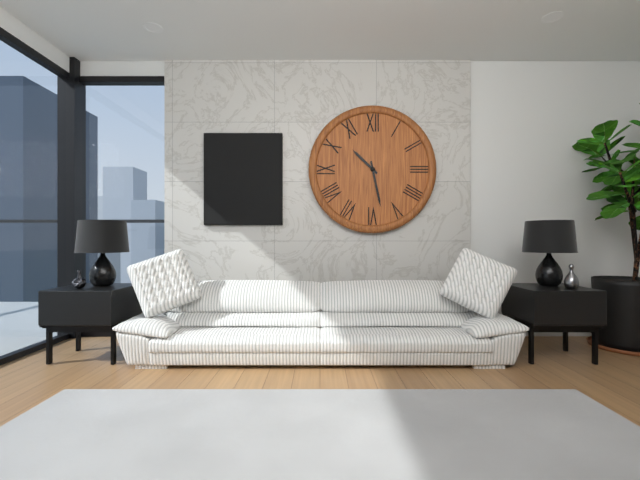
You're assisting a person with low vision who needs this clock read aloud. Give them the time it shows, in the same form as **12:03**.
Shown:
**10:28**
